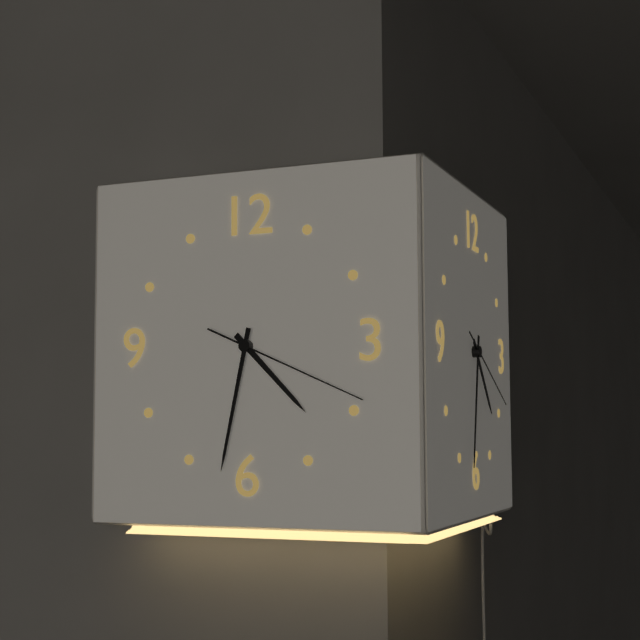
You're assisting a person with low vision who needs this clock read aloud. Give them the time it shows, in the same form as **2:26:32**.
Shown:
**4:32:19**
